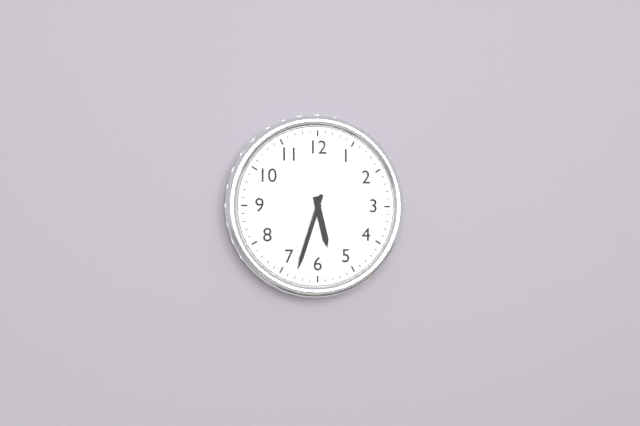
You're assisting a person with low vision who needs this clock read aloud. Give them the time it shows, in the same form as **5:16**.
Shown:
**5:33**
